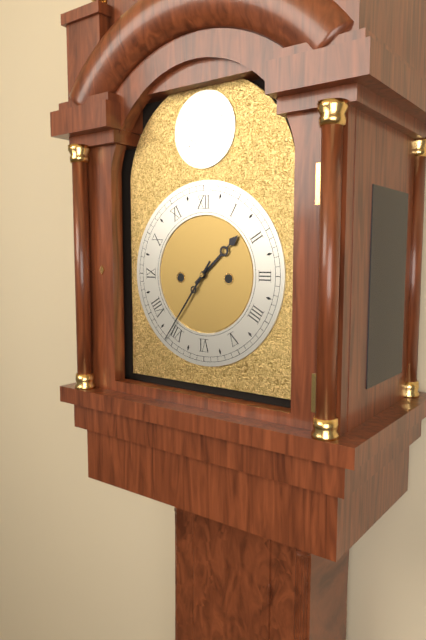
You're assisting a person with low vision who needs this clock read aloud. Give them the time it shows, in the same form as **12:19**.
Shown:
**1:36**
